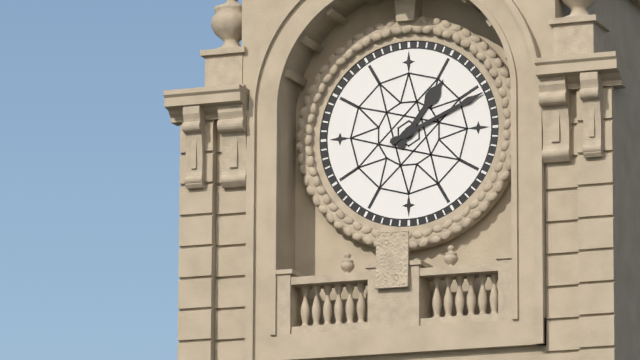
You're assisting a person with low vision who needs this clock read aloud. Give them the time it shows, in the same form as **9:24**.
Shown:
**1:11**
